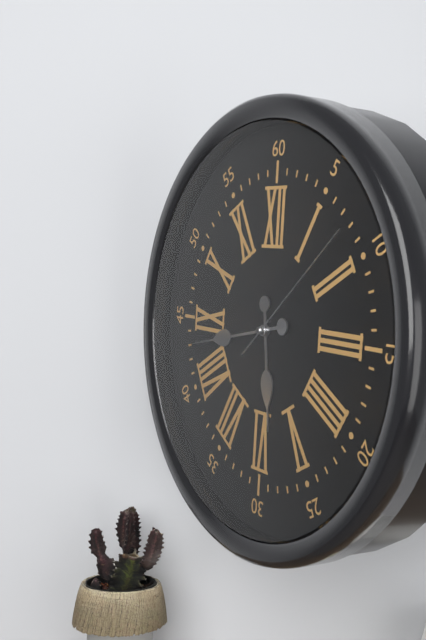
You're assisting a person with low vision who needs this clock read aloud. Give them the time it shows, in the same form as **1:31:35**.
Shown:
**5:43:08**
